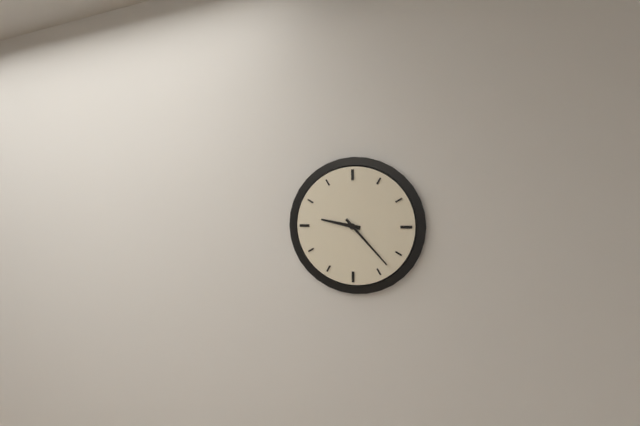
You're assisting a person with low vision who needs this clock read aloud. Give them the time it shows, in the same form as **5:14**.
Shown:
**9:23**
